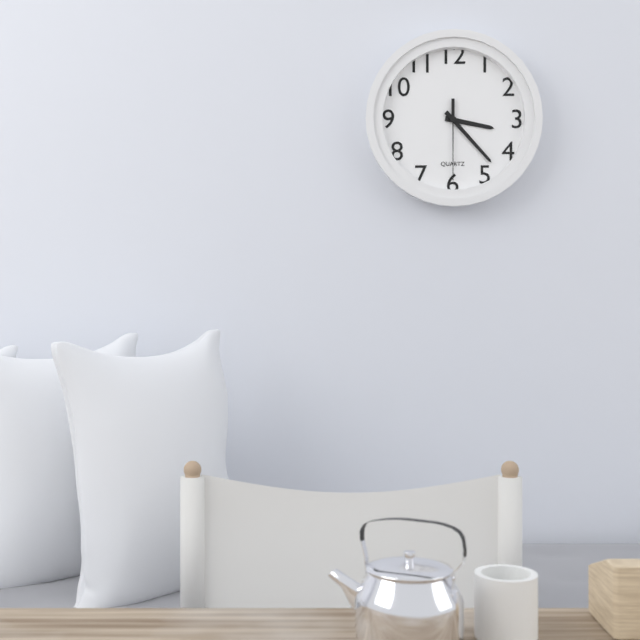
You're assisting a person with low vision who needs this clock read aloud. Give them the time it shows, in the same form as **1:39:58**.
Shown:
**3:23:30**
